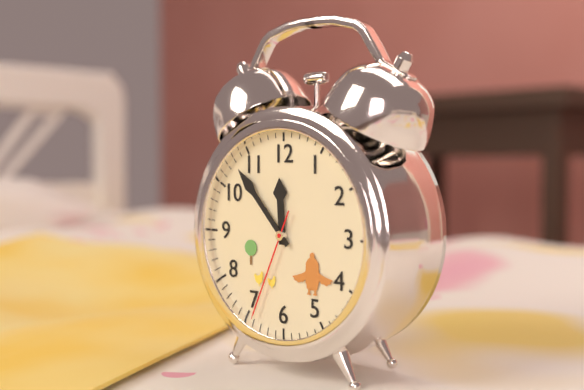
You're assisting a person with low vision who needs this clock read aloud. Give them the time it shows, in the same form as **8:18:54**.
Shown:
**11:53:34**
